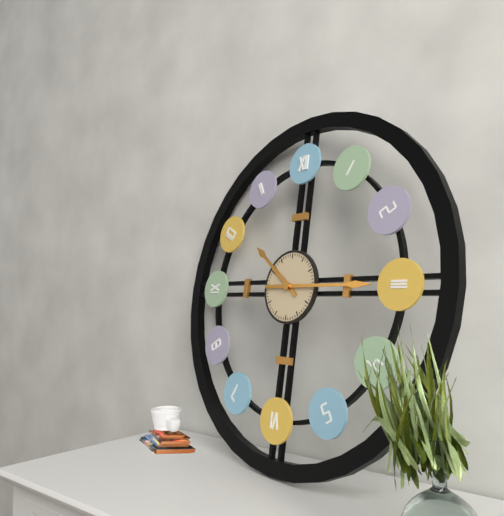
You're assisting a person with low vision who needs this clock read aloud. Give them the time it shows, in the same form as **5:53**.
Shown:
**10:15**
